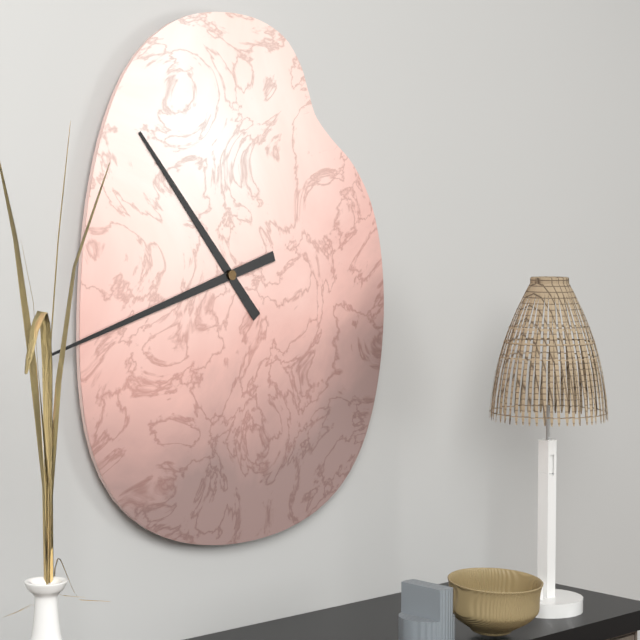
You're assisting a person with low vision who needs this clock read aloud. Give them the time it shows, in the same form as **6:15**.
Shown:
**10:42**
